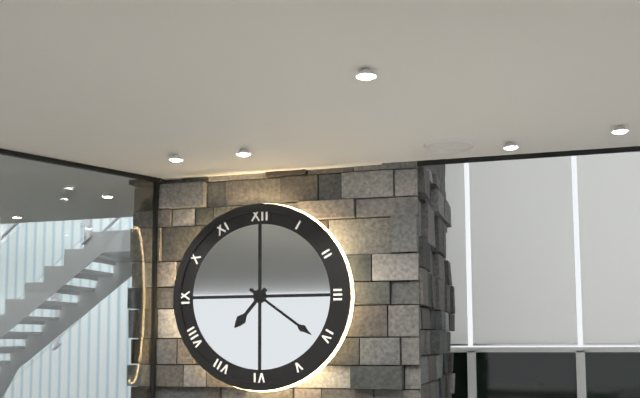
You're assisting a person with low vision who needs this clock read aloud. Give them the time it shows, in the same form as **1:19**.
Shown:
**7:21**
